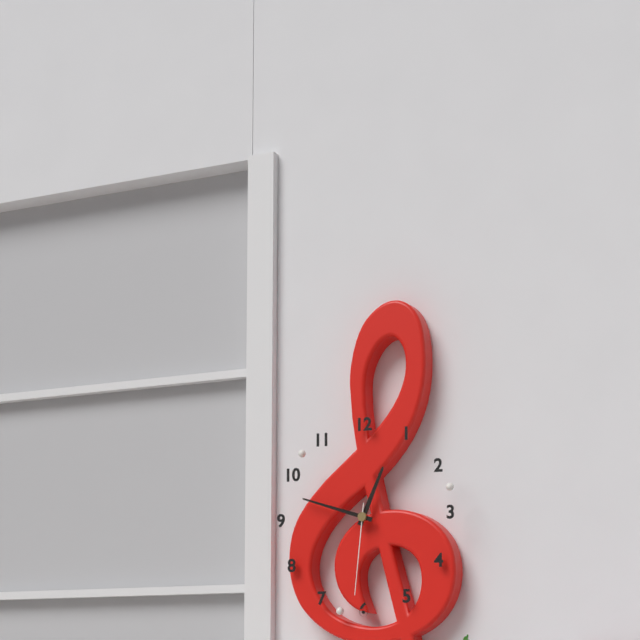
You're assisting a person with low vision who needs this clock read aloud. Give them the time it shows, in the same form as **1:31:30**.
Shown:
**12:48:31**
